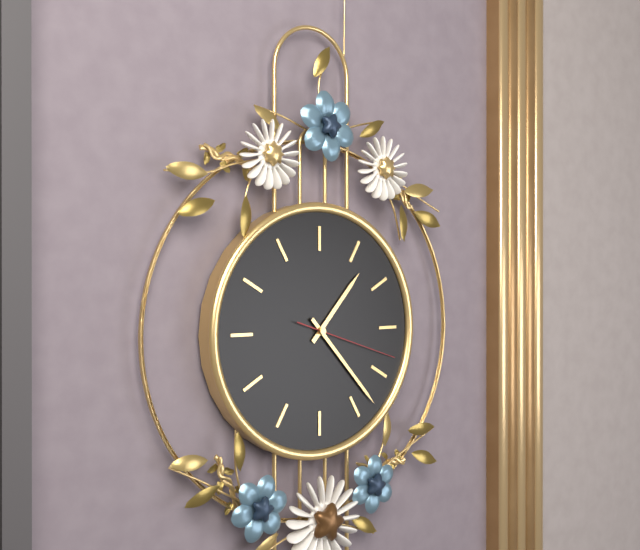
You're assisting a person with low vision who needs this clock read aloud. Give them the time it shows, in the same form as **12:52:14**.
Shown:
**1:23:18**
